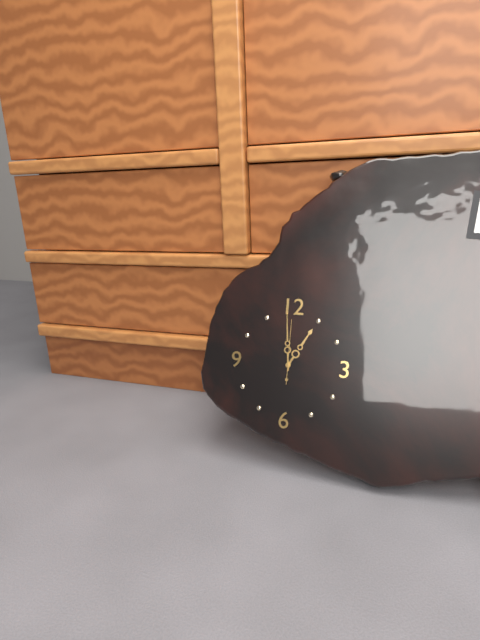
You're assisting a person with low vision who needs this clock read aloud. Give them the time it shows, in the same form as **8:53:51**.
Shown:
**12:59:00**
